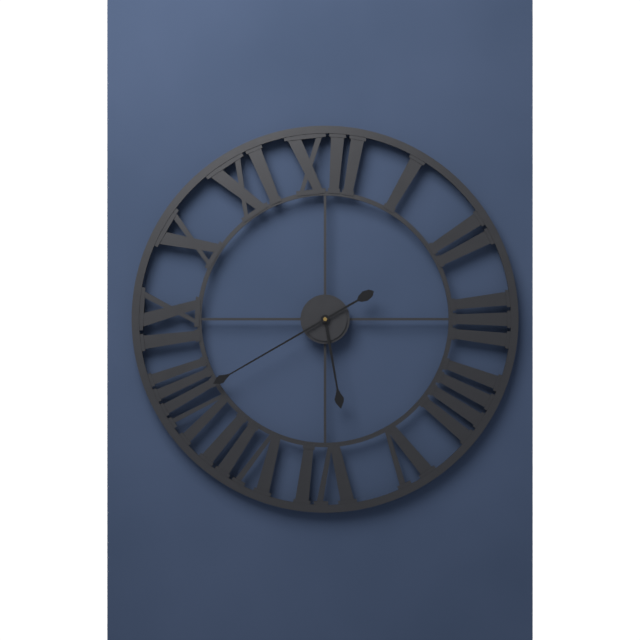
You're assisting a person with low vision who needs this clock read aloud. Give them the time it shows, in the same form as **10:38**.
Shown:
**5:40**
